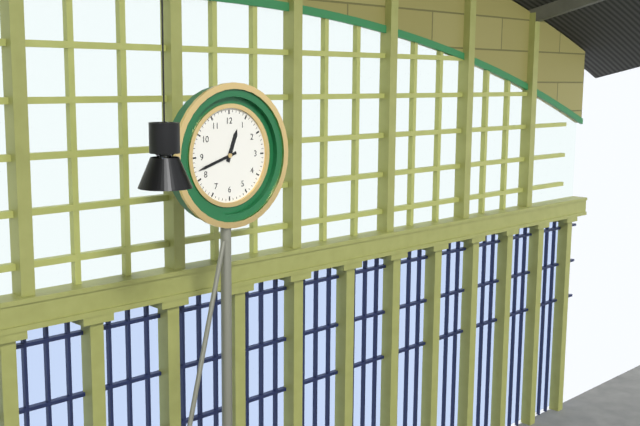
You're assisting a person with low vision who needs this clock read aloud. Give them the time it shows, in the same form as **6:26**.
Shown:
**12:42**
